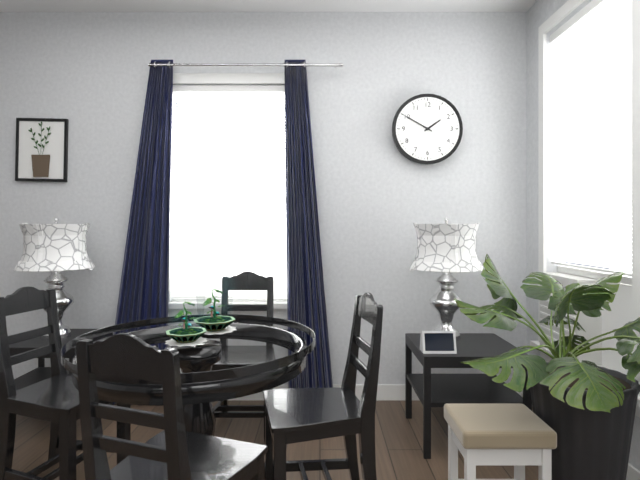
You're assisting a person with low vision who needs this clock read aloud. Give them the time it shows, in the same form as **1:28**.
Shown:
**1:50**
